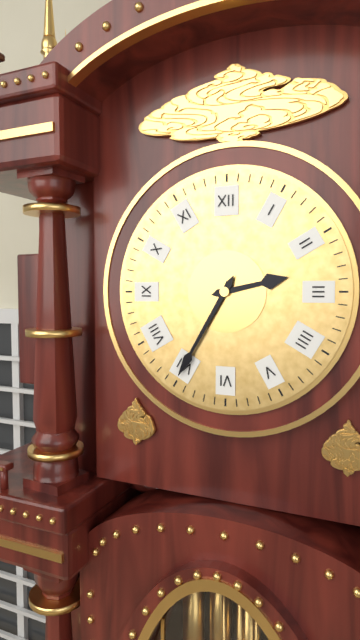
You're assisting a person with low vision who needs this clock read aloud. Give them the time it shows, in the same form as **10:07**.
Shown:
**2:35**
